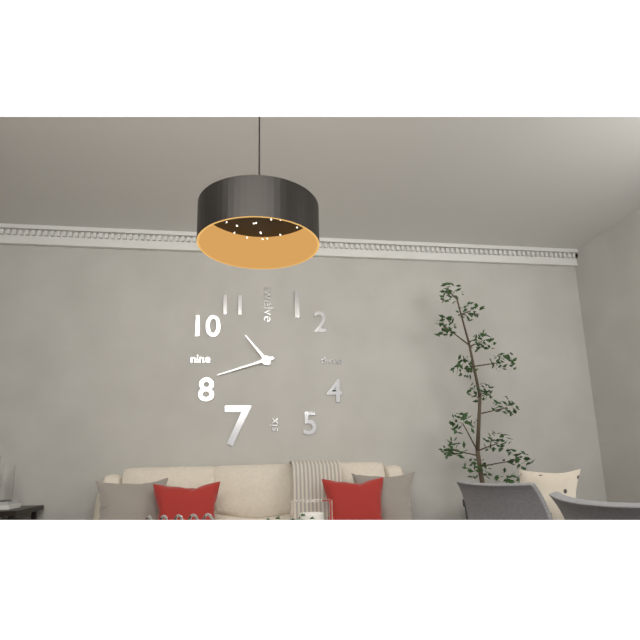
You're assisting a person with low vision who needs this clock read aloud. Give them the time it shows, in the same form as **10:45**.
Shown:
**10:42**
